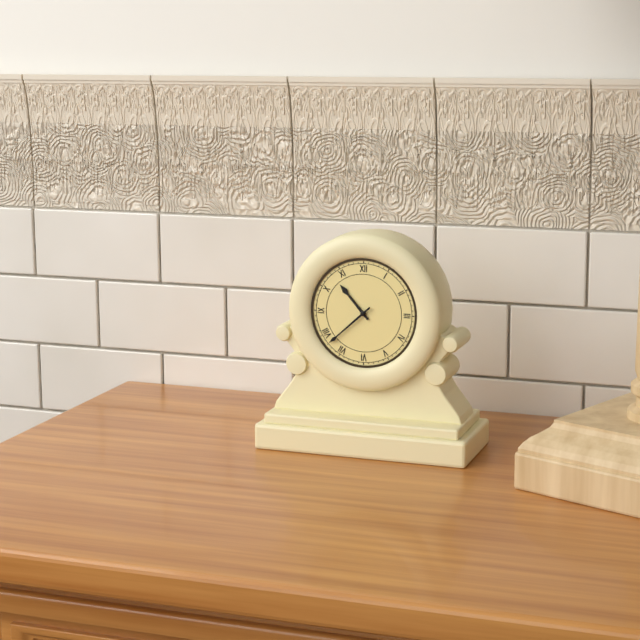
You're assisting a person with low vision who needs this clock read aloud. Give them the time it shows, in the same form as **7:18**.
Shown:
**10:38**
